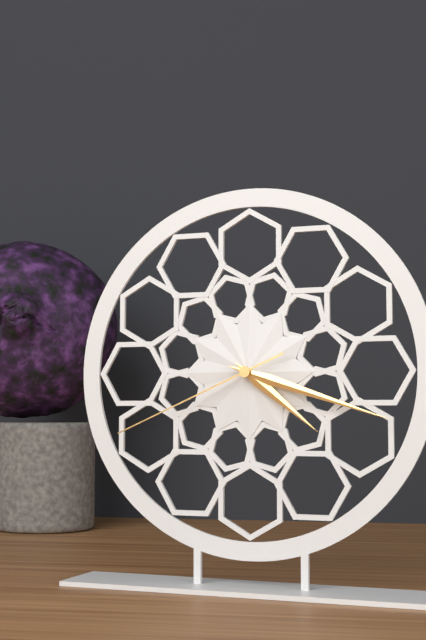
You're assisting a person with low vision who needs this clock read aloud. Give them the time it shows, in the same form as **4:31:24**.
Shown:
**4:18:41**
